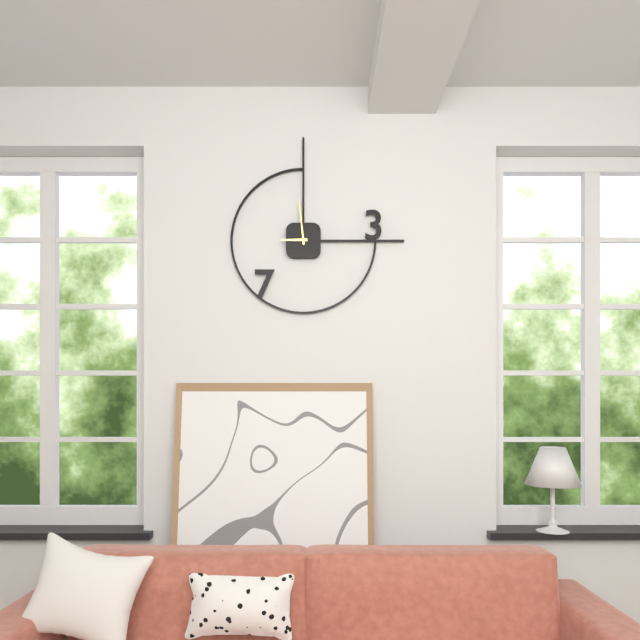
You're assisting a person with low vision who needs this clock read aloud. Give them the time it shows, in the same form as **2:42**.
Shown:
**8:59**
